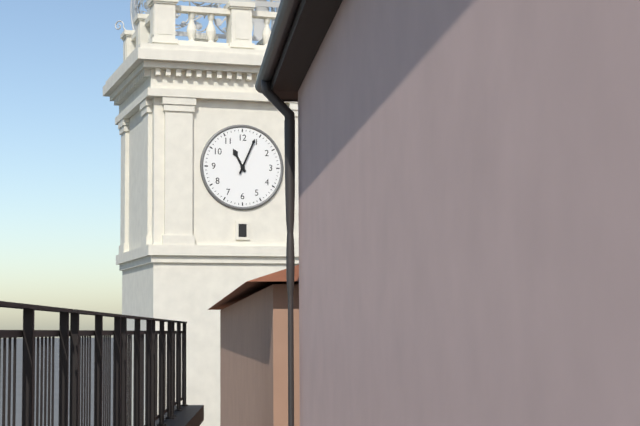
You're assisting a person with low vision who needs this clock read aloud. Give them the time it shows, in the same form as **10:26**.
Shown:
**11:04**
